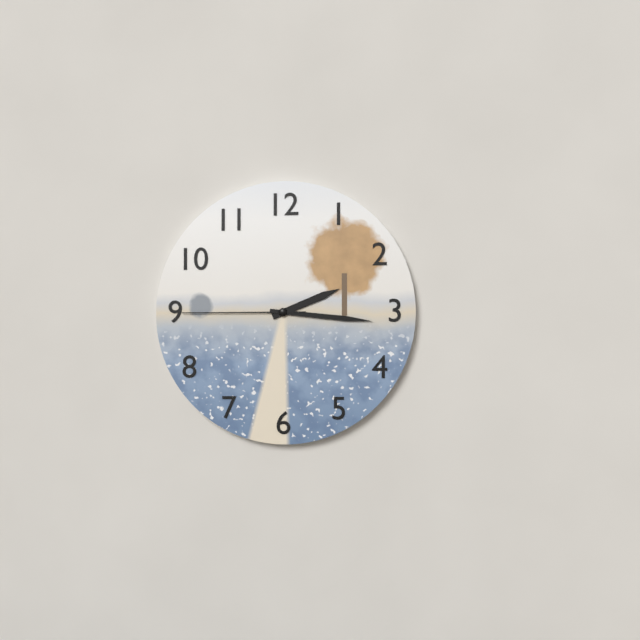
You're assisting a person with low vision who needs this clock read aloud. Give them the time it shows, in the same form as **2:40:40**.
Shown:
**2:16:45**
